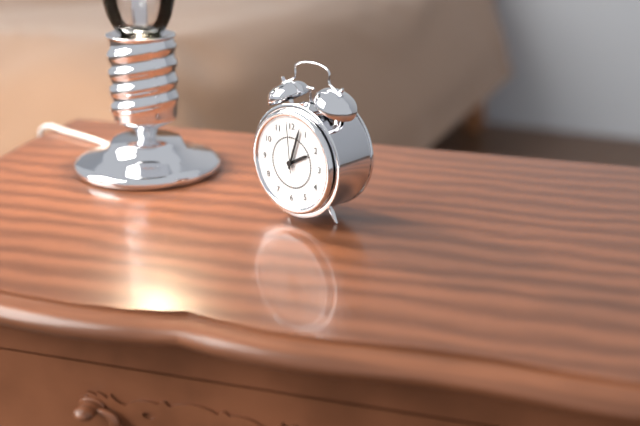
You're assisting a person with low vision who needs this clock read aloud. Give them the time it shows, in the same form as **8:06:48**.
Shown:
**2:03:59**
